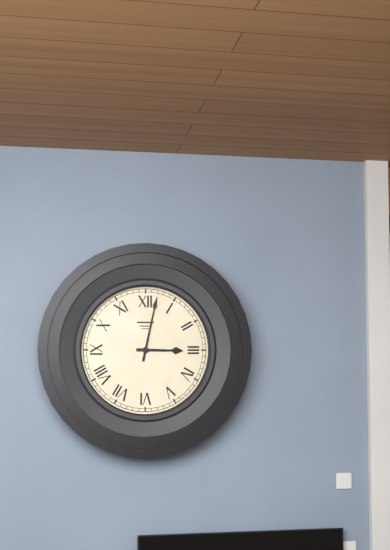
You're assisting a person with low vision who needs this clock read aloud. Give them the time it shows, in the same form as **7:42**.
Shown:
**3:02**
